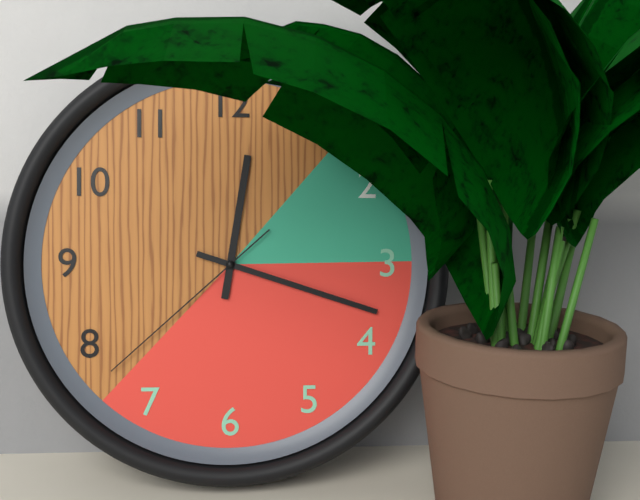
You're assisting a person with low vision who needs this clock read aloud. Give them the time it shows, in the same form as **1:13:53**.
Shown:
**12:18:38**
